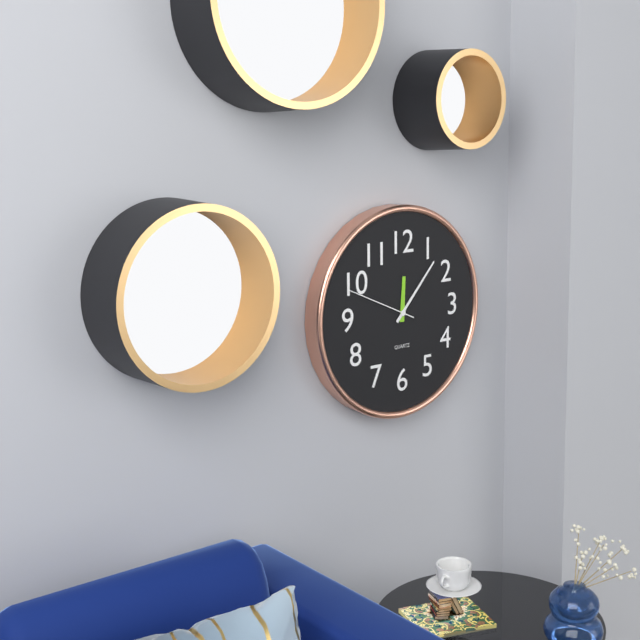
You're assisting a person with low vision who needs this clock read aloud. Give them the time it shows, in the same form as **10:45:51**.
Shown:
**12:07:49**
